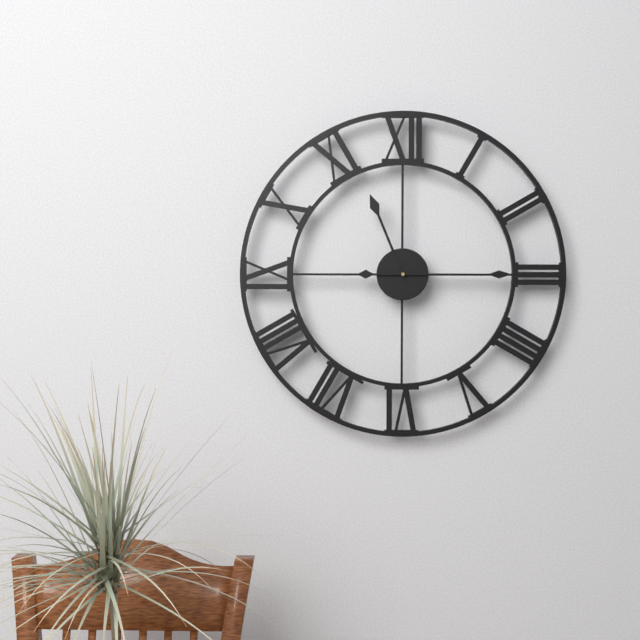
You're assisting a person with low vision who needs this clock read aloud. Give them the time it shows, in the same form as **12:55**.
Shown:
**11:15**
